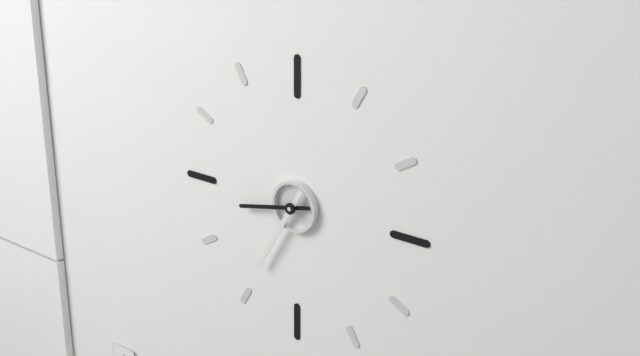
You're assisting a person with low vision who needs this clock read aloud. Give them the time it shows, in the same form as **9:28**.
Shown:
**8:35**
